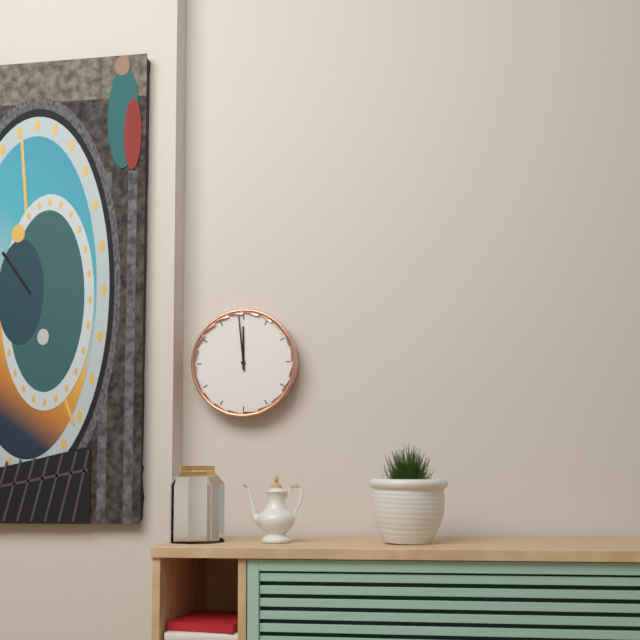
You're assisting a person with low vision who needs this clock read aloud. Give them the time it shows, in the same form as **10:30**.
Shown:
**11:59**
